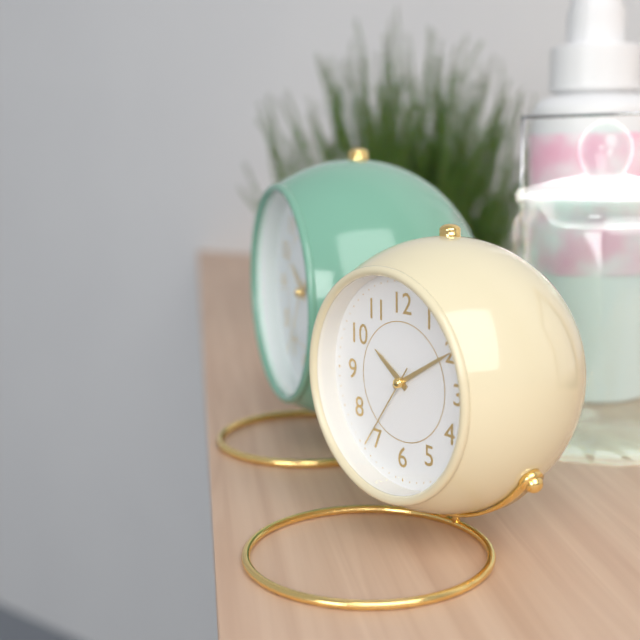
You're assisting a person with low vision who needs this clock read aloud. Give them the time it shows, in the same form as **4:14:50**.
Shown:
**10:10:36**
